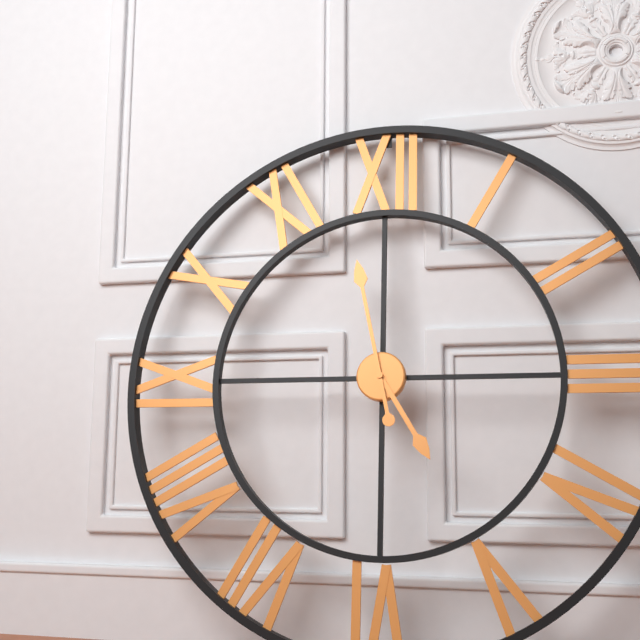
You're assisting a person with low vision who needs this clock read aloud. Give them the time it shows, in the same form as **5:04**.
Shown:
**4:58**
